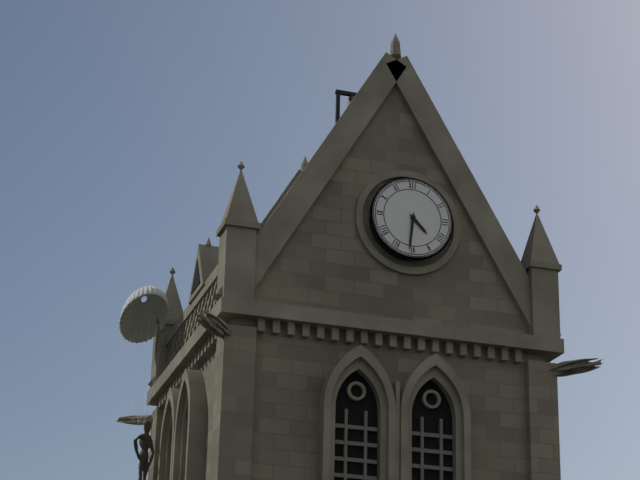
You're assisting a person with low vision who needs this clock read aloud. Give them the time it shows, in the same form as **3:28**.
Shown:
**4:31**
